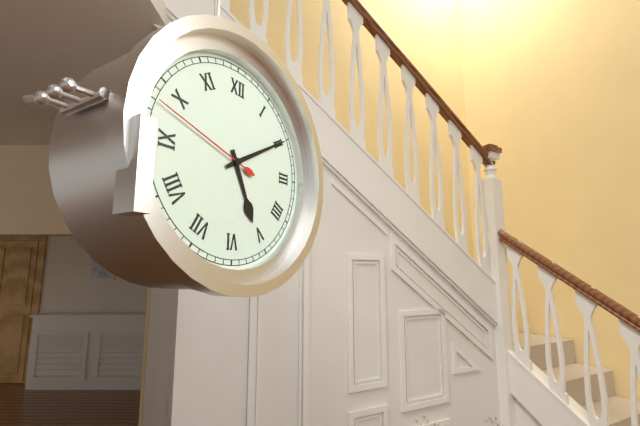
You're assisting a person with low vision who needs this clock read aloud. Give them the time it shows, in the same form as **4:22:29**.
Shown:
**5:10:48**
